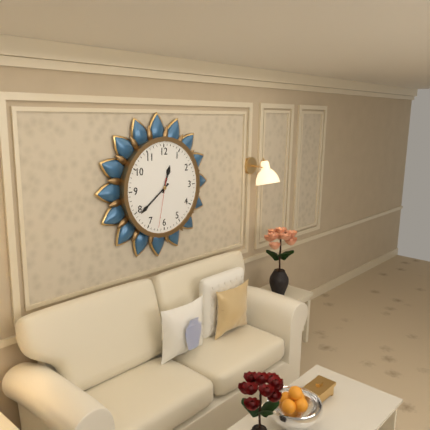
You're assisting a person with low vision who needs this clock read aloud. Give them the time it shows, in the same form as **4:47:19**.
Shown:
**12:39:32**
